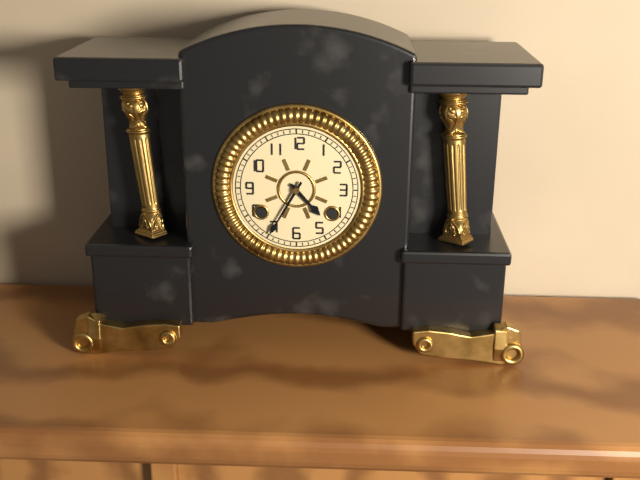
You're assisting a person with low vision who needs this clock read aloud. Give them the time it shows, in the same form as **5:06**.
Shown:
**4:35**
